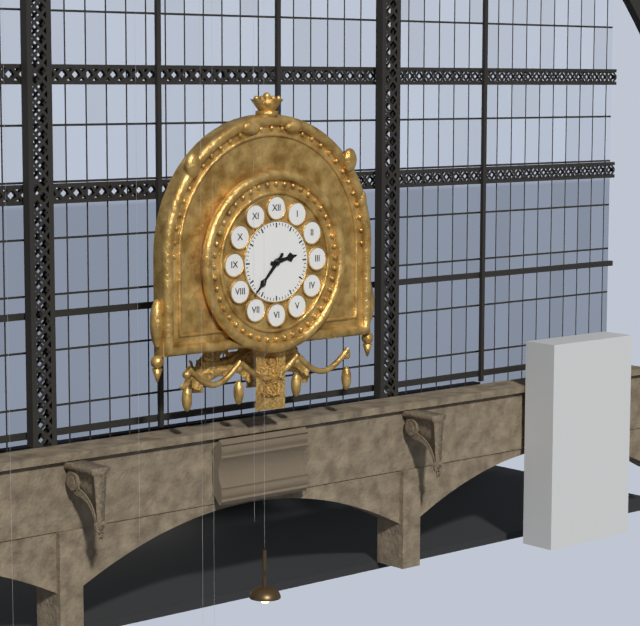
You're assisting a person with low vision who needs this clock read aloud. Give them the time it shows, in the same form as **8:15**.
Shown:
**2:37**
